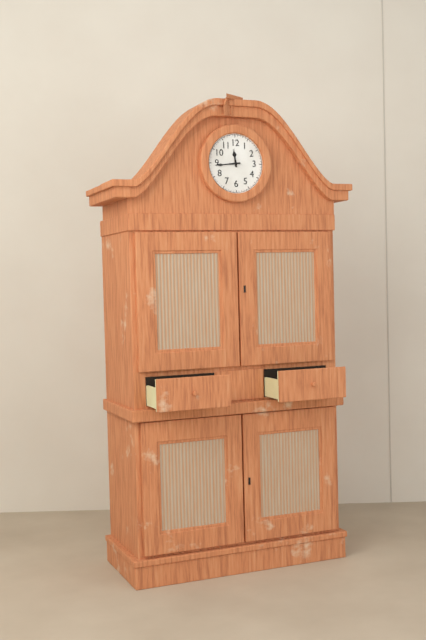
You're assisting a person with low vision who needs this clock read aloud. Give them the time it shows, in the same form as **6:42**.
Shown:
**11:44**
